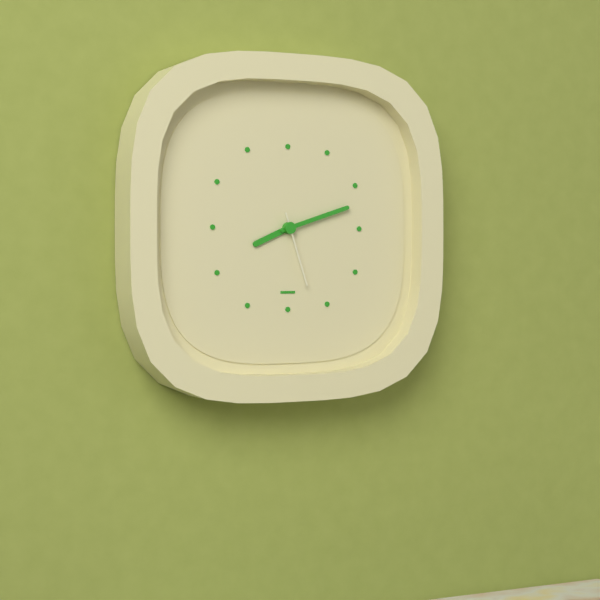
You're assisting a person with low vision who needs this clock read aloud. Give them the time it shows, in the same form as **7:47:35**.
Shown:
**8:12:27**
